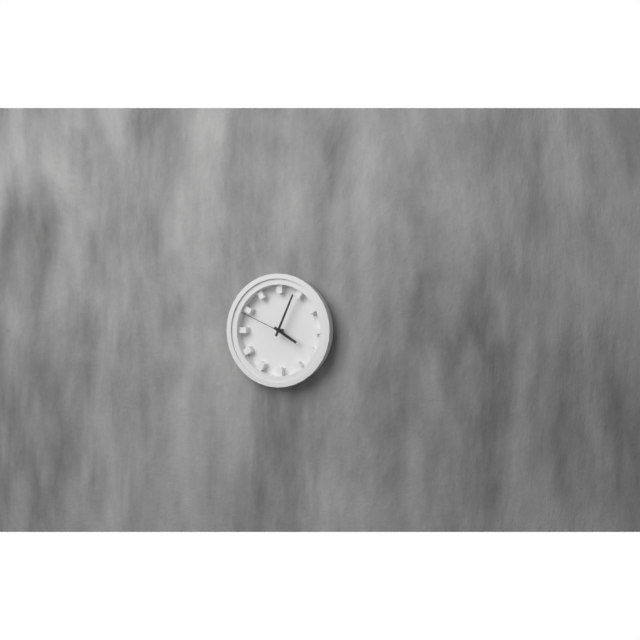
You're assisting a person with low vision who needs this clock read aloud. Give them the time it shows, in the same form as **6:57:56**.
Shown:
**4:04:49**
